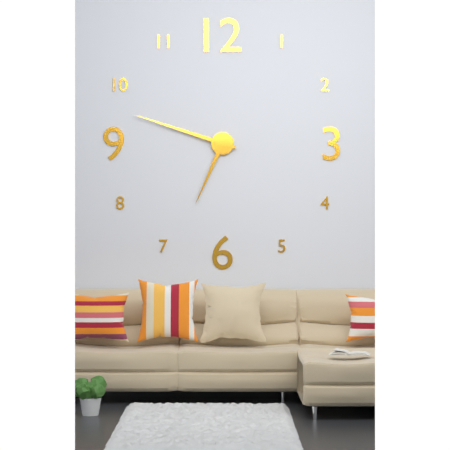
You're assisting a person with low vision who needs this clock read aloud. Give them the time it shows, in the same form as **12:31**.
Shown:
**6:48**
